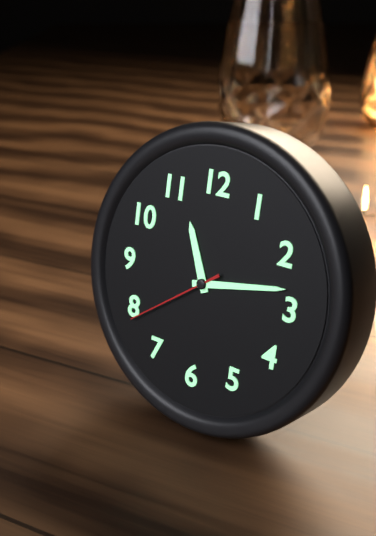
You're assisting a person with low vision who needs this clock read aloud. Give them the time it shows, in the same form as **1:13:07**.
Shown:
**11:13:39**
